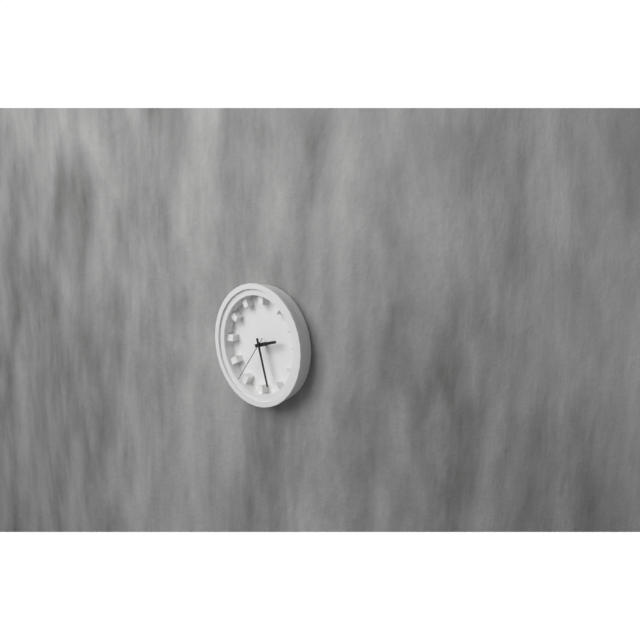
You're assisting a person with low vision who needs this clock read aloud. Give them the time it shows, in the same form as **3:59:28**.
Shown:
**2:27:36**
